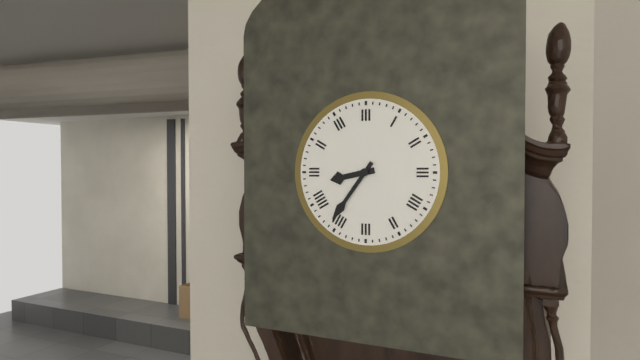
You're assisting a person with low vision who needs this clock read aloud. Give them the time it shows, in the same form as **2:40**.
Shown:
**8:36**
